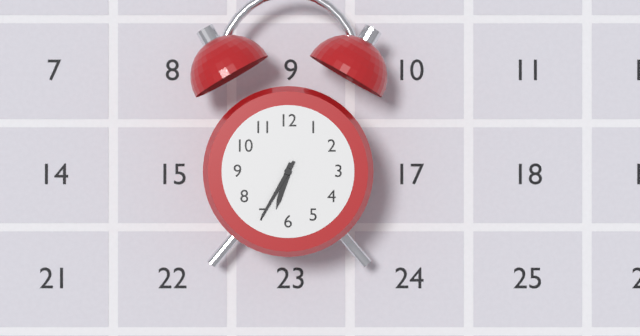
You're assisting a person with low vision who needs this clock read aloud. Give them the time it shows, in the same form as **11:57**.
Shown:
**6:35**
